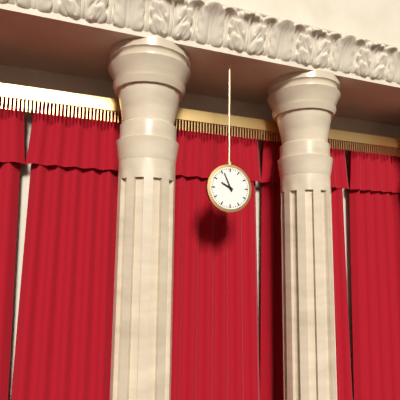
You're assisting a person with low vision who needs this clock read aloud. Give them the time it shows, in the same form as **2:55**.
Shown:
**9:56**
